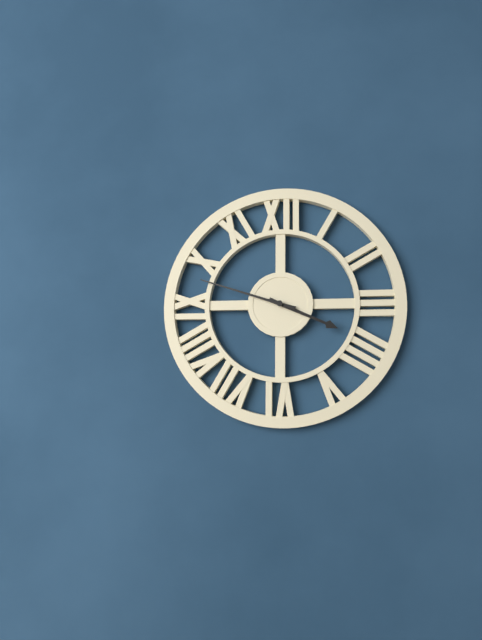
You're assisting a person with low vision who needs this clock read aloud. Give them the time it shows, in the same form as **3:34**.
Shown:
**3:48**
